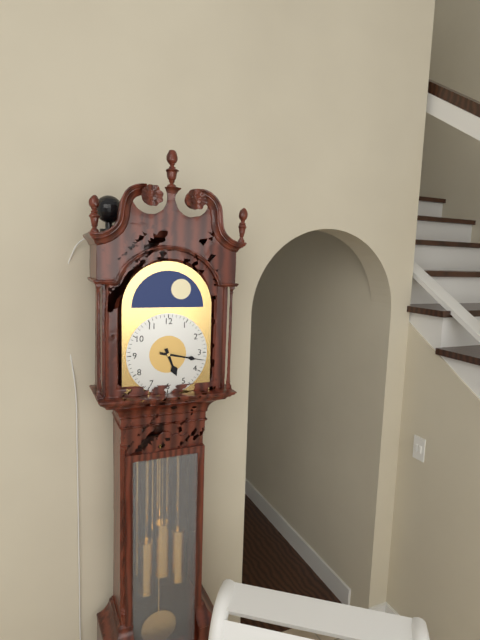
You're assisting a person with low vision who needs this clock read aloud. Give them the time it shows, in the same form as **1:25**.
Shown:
**5:17**
